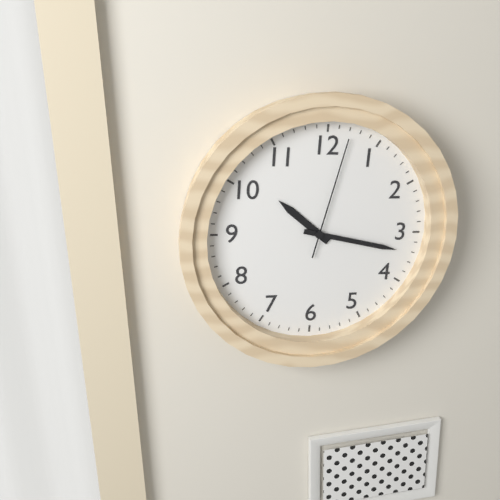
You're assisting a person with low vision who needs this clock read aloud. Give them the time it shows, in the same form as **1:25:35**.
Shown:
**10:17:02**
